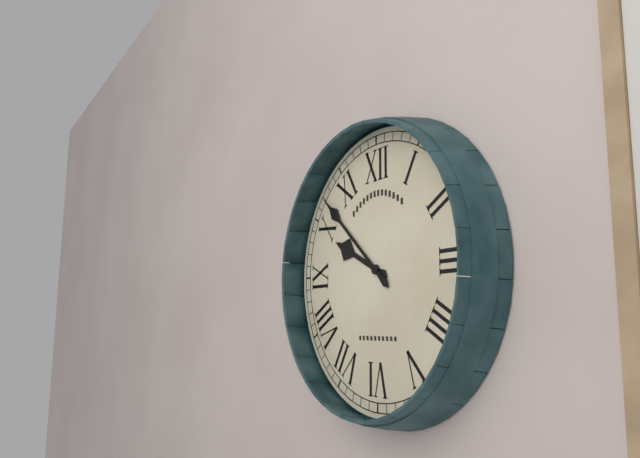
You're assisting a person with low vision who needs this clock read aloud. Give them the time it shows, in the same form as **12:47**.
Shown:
**9:52**
